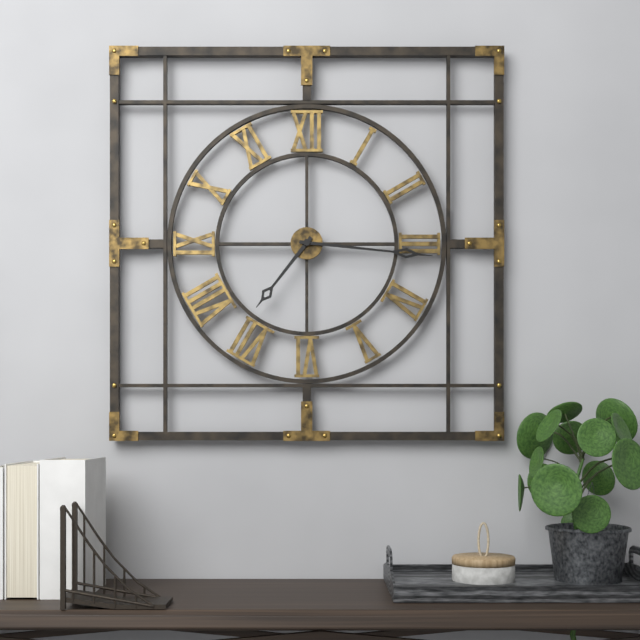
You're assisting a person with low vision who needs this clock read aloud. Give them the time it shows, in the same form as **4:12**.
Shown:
**7:16**
